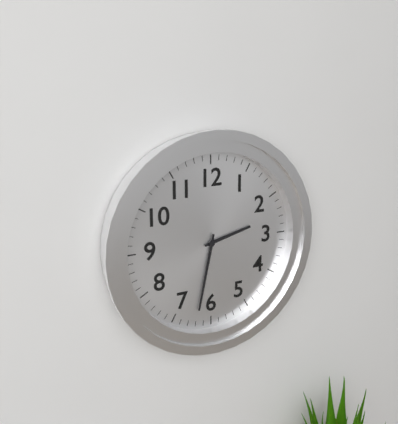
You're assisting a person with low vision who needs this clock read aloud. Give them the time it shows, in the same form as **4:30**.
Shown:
**2:32**
